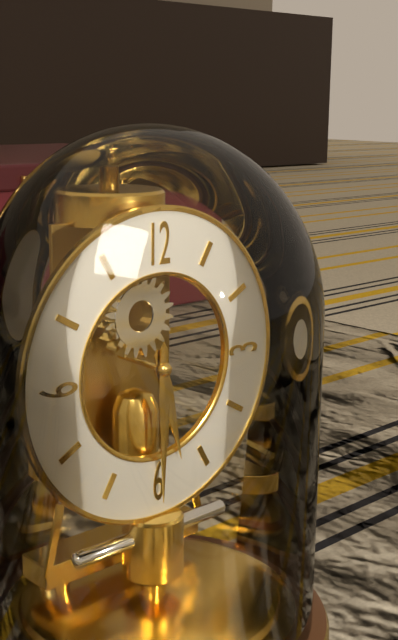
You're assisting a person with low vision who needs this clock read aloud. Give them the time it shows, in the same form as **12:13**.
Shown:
**5:30**
